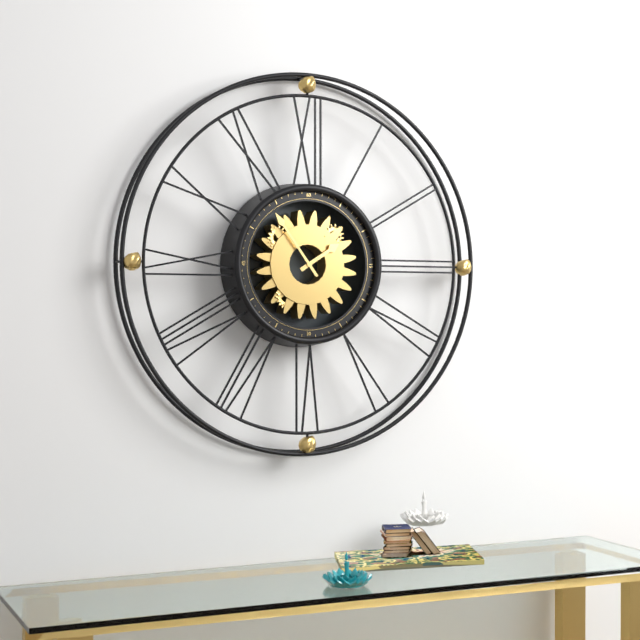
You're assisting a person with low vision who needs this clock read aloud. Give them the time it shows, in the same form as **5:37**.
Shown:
**1:54**
